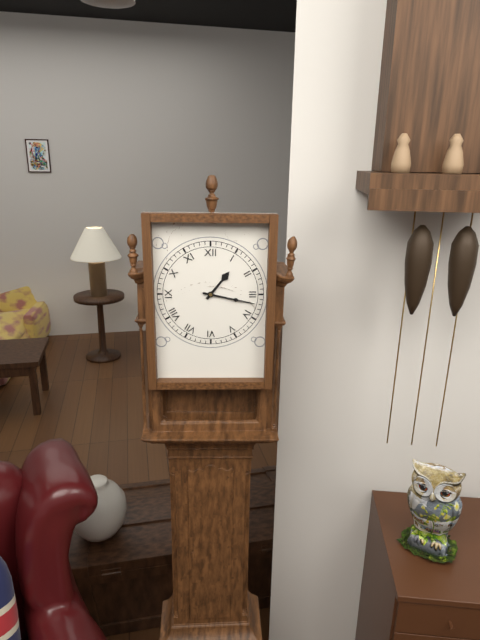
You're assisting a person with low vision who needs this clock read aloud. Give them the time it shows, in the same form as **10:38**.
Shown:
**1:17**
